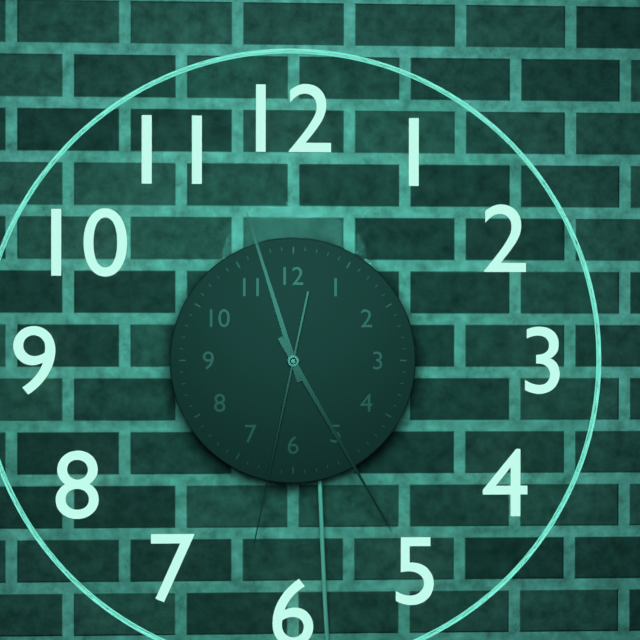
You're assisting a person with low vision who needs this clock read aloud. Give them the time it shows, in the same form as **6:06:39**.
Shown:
**11:25:32**
